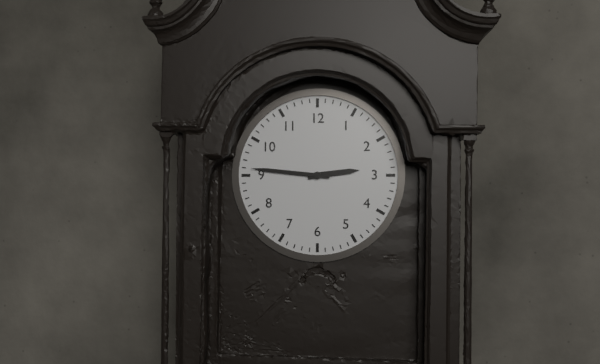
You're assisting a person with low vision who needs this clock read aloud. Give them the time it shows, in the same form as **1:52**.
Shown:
**2:46**
